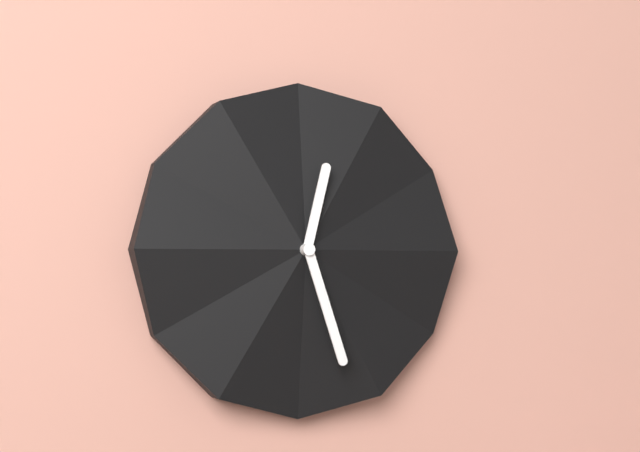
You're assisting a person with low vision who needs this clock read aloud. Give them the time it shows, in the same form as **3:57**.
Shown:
**12:27**
